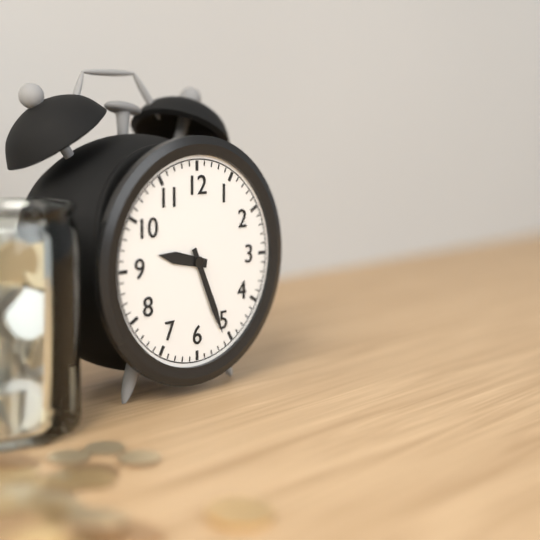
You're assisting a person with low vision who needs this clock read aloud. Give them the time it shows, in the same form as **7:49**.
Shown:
**9:26**
